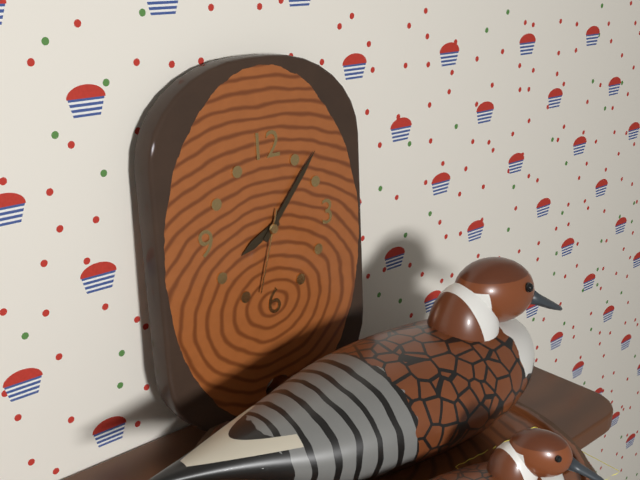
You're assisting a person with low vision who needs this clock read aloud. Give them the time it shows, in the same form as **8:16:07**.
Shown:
**8:07:33**
